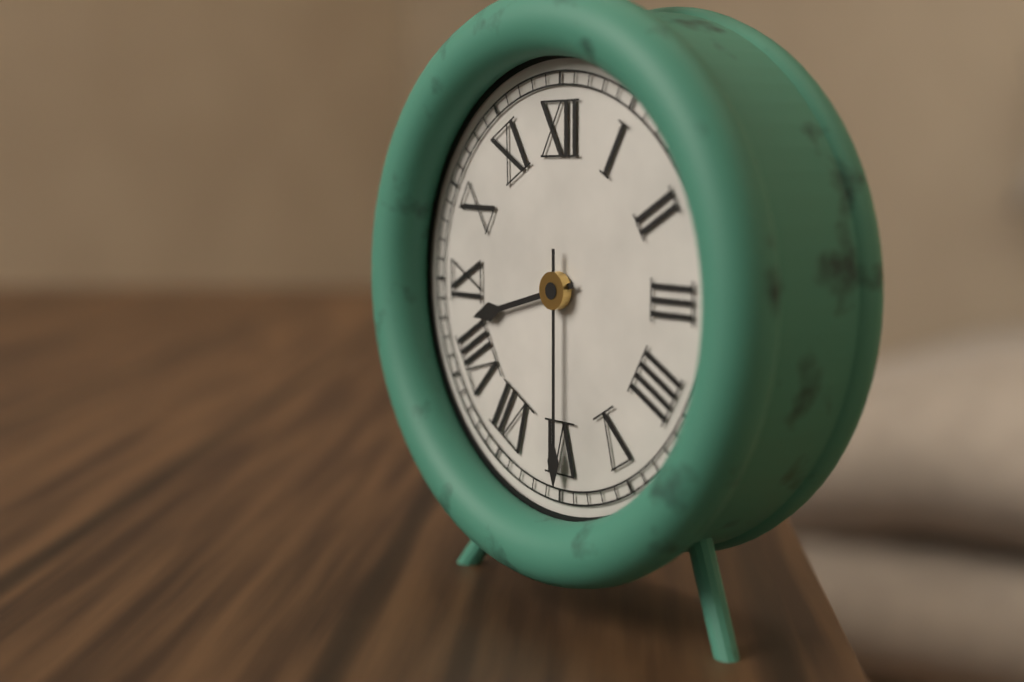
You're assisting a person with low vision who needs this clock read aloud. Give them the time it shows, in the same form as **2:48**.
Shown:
**8:30**
